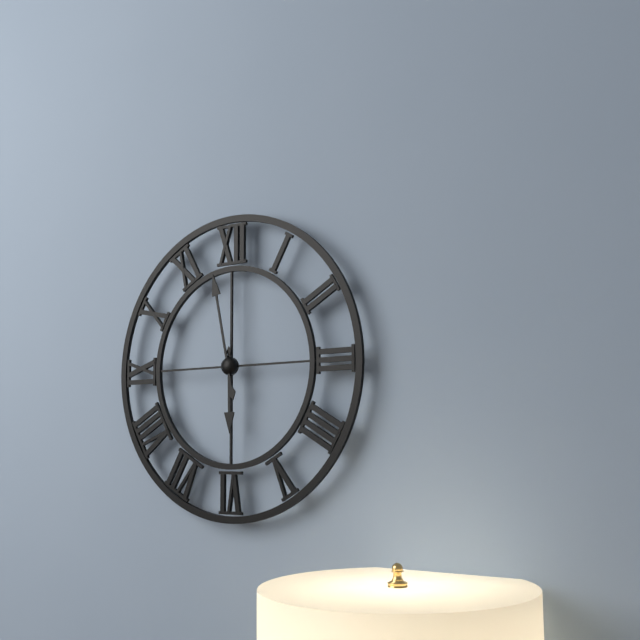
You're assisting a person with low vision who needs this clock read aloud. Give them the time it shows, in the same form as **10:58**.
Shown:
**5:58**
